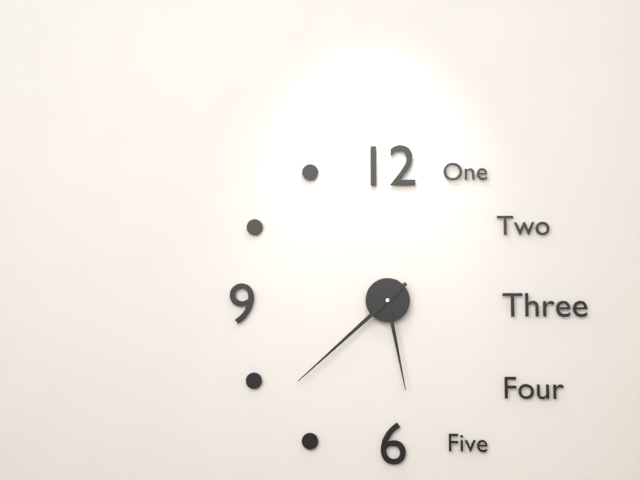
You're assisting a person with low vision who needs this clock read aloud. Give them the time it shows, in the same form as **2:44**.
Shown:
**5:38**
